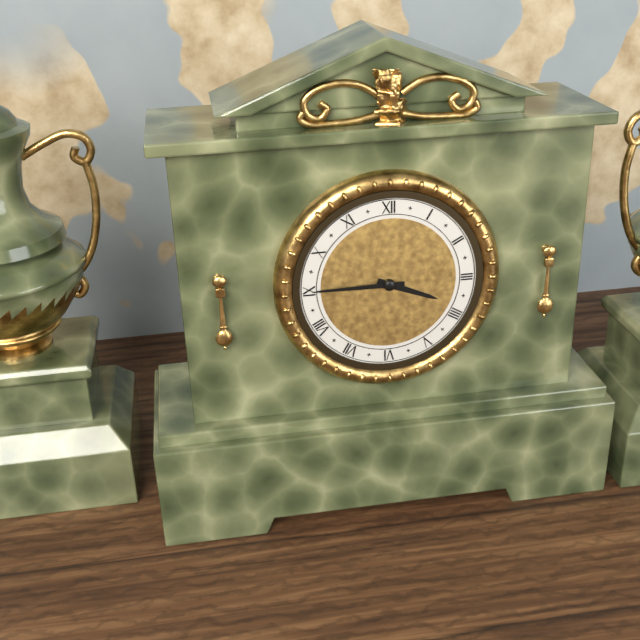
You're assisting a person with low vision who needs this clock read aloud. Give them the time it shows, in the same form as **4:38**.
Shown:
**3:45**
